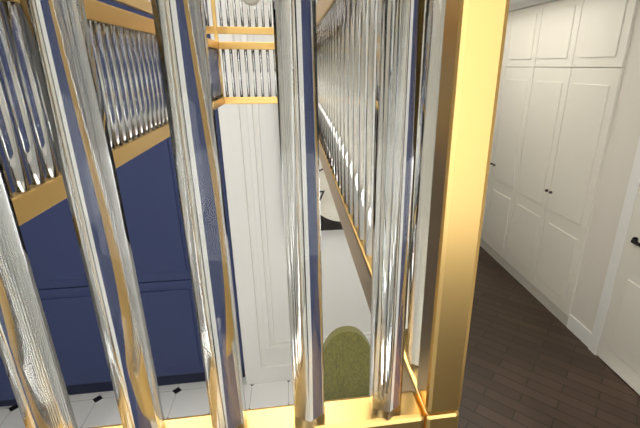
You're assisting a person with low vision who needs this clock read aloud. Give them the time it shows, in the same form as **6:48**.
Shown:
**12:41**
